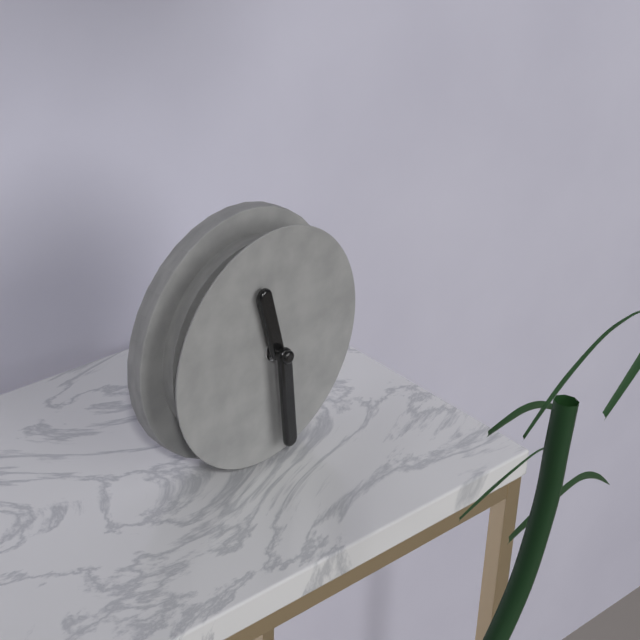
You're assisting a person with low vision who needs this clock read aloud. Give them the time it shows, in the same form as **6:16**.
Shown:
**11:29**
